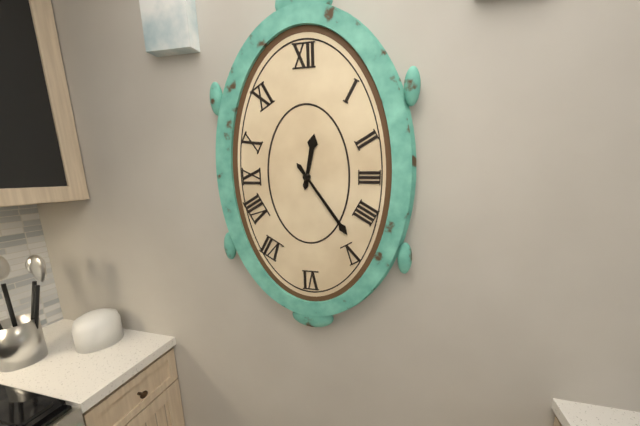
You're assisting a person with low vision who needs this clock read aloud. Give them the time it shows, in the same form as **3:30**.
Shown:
**12:24**
